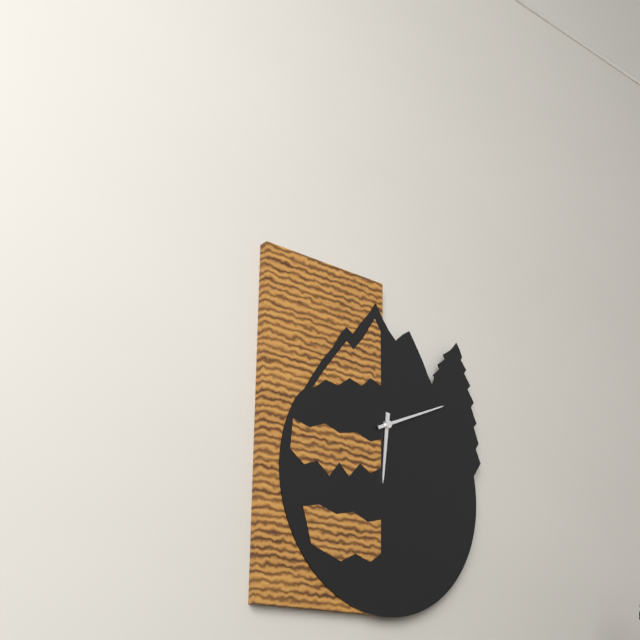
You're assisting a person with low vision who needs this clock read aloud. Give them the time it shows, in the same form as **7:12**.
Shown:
**6:11**
